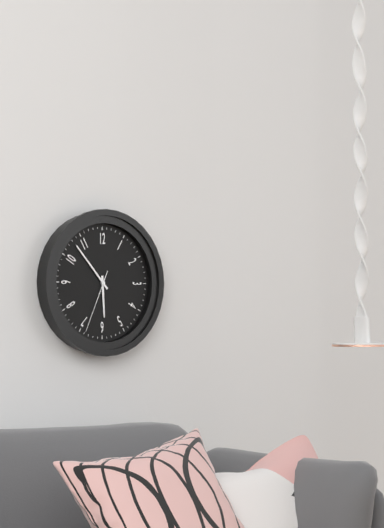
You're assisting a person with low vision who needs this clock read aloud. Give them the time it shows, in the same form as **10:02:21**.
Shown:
**5:53:34**
